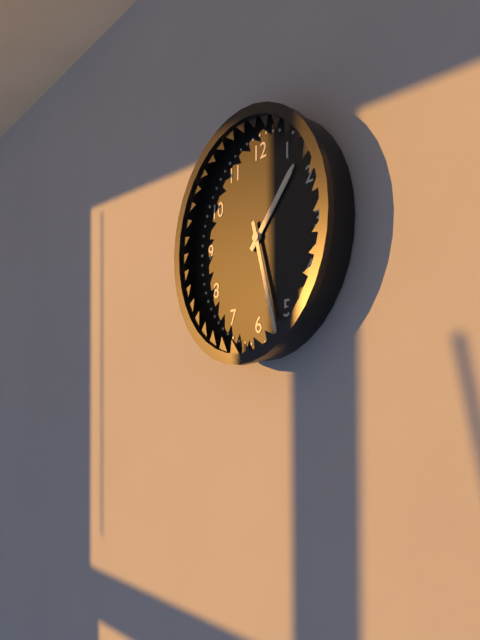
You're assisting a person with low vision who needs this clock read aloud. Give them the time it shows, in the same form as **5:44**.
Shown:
**1:27**
